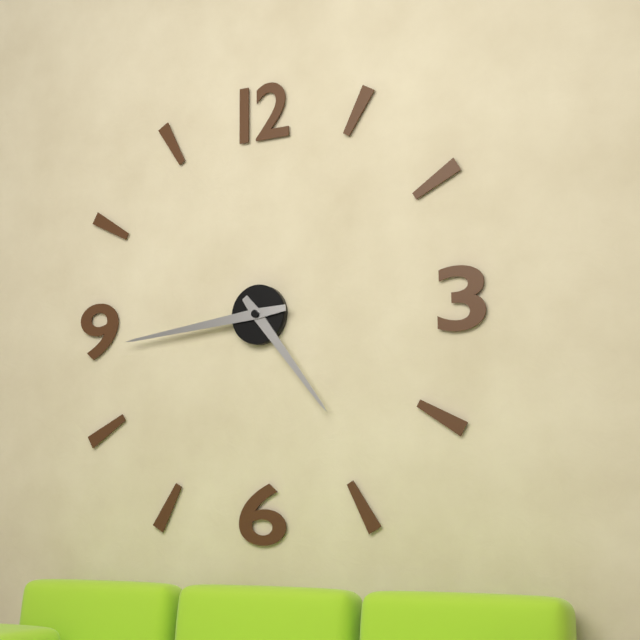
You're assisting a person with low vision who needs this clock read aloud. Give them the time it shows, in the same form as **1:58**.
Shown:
**4:44**
